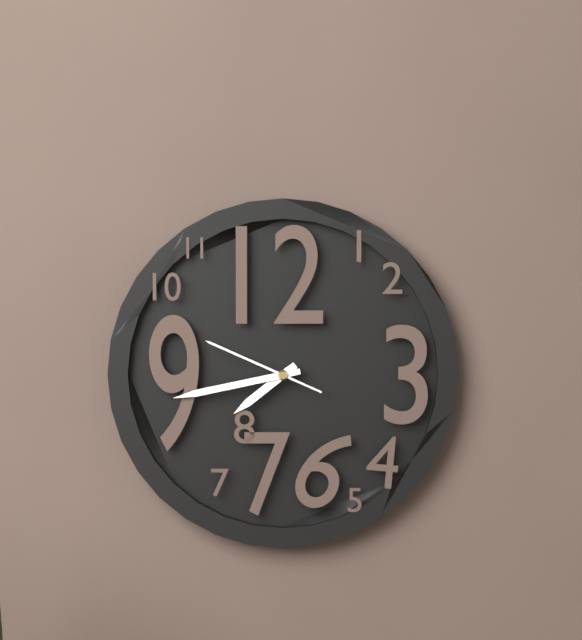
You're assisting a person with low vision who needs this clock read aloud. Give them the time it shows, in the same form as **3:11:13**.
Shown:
**7:43:49**
